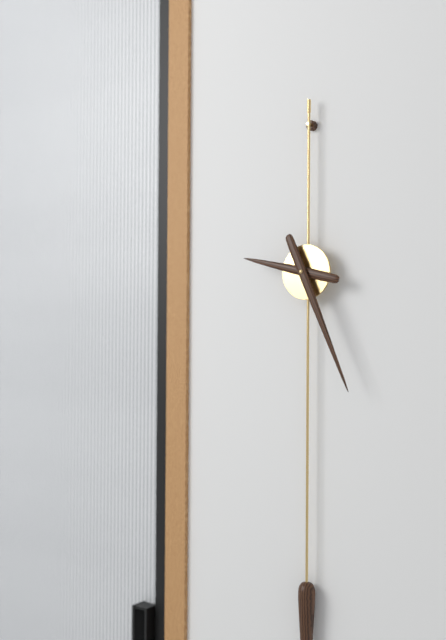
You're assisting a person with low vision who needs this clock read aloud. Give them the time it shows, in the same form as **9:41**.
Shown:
**9:26**
